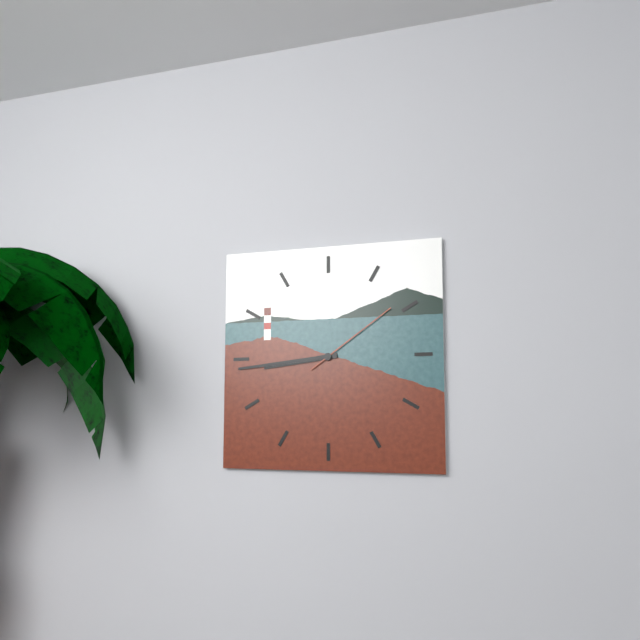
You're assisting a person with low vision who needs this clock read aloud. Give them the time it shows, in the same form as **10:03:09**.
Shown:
**8:44:09**
